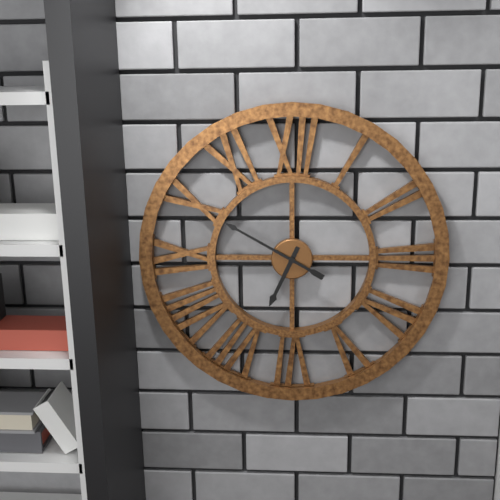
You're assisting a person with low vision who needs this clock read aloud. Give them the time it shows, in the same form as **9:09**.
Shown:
**6:50**
